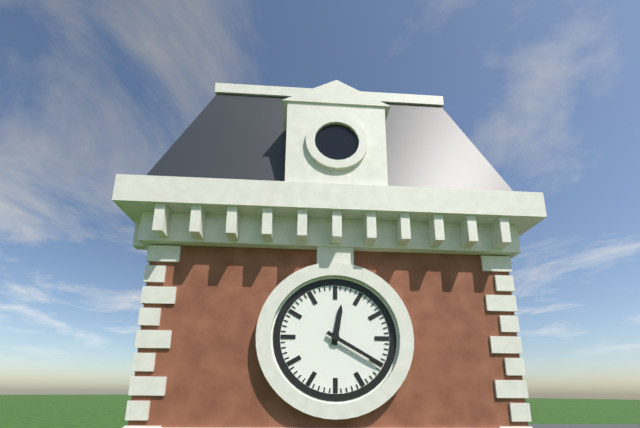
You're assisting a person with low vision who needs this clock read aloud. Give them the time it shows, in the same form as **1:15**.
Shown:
**12:20**
